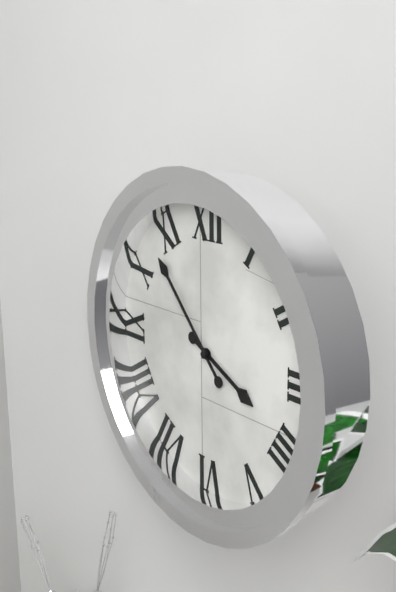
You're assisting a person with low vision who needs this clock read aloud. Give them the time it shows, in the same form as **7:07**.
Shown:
**3:53**
